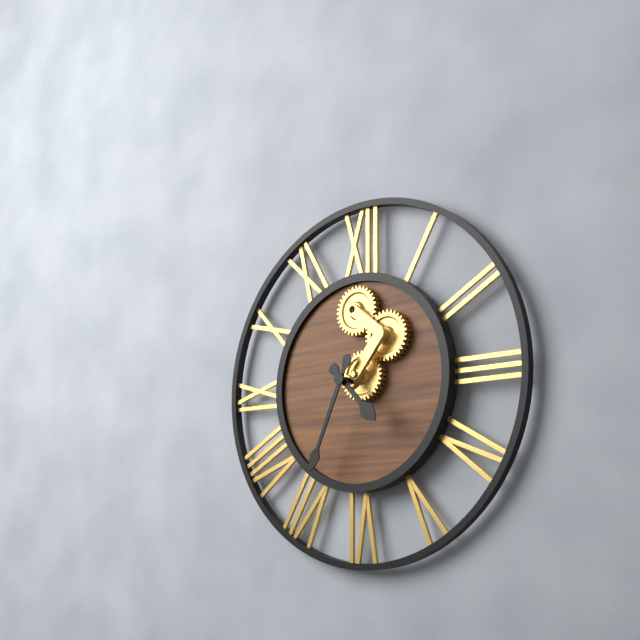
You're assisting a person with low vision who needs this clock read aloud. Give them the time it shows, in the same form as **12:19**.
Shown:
**4:34**
